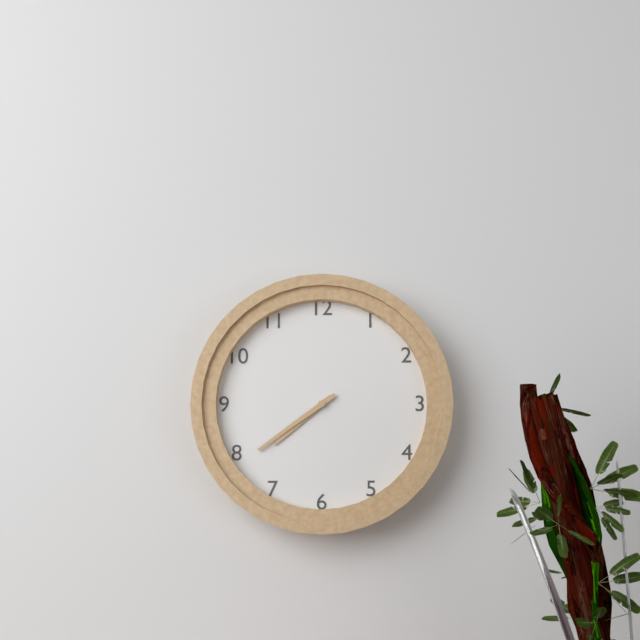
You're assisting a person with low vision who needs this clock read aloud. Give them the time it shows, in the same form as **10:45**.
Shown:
**7:39**
